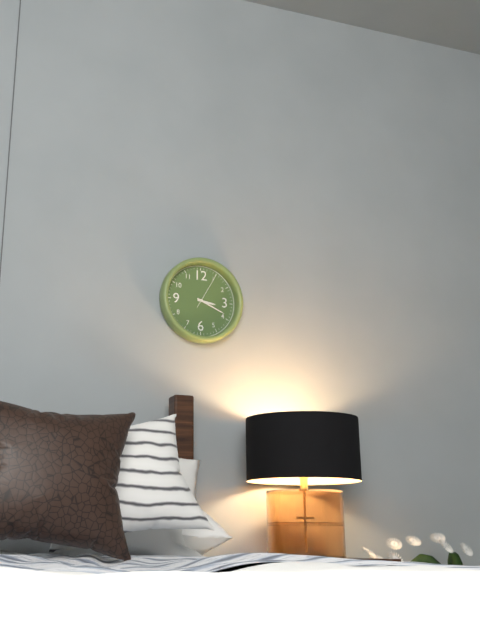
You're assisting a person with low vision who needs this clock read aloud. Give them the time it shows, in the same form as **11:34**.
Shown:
**3:19**
